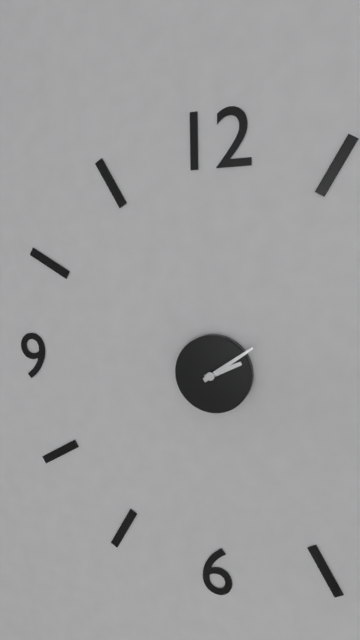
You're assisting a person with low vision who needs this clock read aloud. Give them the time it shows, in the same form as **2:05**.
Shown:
**2:09**
